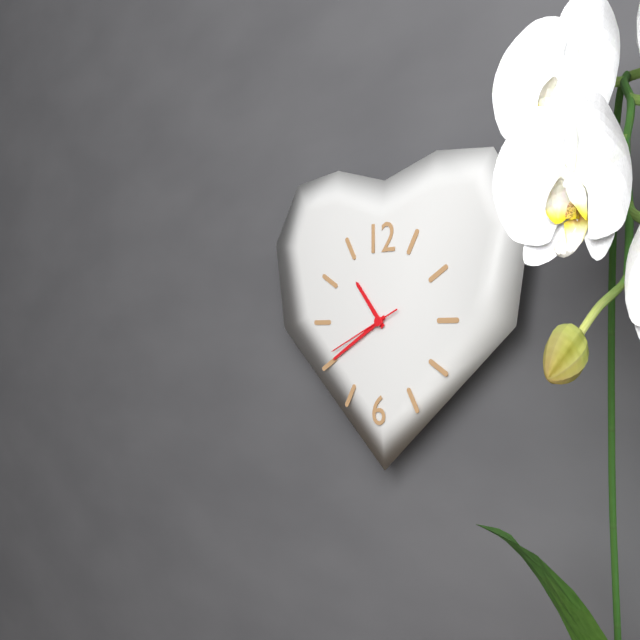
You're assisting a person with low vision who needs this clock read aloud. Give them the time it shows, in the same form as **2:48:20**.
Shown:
**10:40:41**
